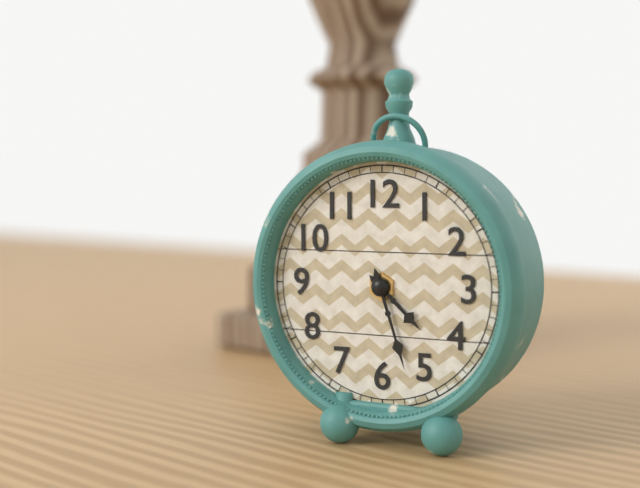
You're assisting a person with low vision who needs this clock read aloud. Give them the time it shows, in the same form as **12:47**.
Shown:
**4:27**
